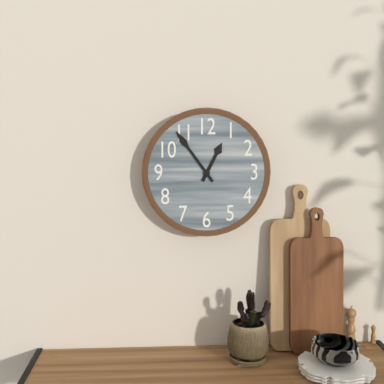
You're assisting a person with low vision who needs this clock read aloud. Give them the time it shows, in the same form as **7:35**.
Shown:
**12:54**
